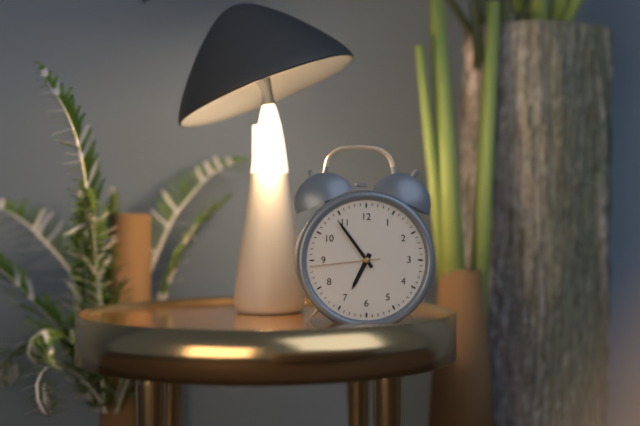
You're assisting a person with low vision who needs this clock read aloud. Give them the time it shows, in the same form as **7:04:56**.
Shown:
**6:54:44**
